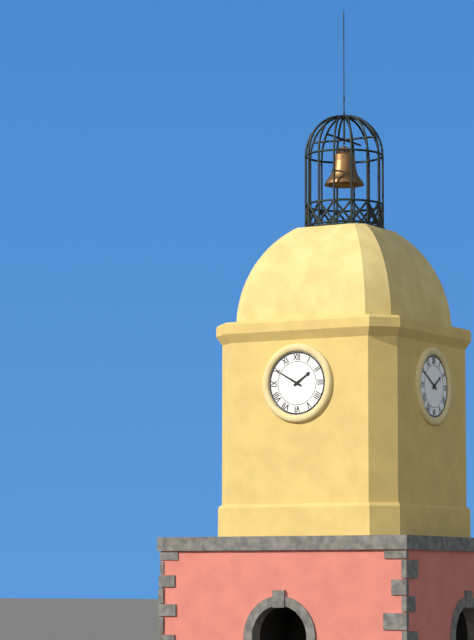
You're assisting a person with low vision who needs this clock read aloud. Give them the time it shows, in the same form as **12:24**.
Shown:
**1:50**
